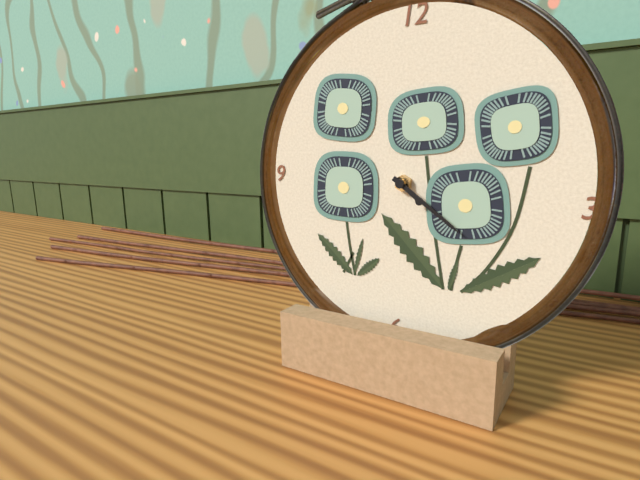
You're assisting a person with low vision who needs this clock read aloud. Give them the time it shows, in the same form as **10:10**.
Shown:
**4:21**
